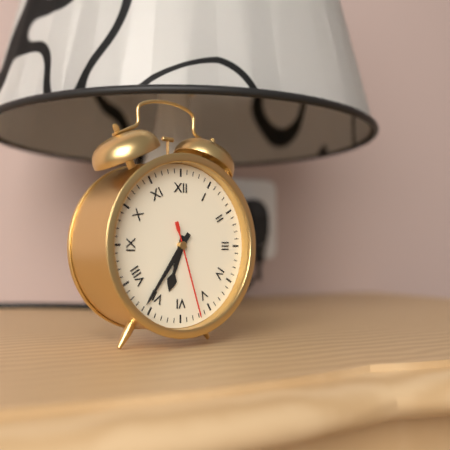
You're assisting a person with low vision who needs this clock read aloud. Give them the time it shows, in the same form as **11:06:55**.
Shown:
**6:36:27**
